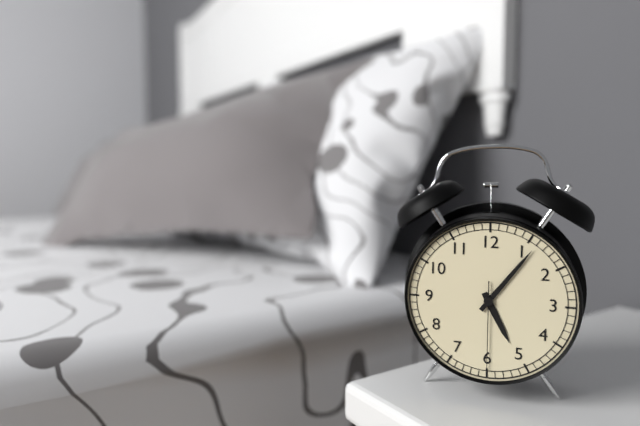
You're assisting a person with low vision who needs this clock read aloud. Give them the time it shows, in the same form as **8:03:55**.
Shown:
**5:06:30**
